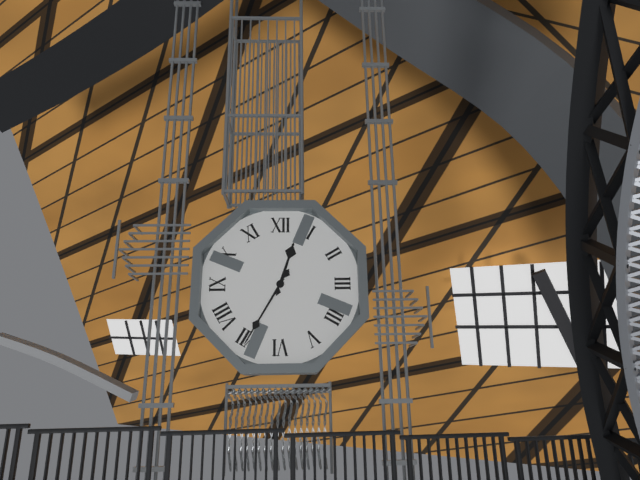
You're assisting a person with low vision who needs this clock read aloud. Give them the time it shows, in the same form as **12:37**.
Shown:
**12:35**
